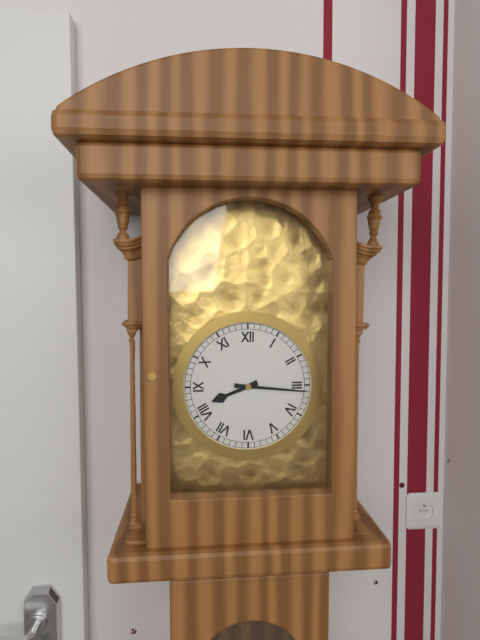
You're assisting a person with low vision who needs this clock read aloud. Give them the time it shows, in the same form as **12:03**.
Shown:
**8:16**
